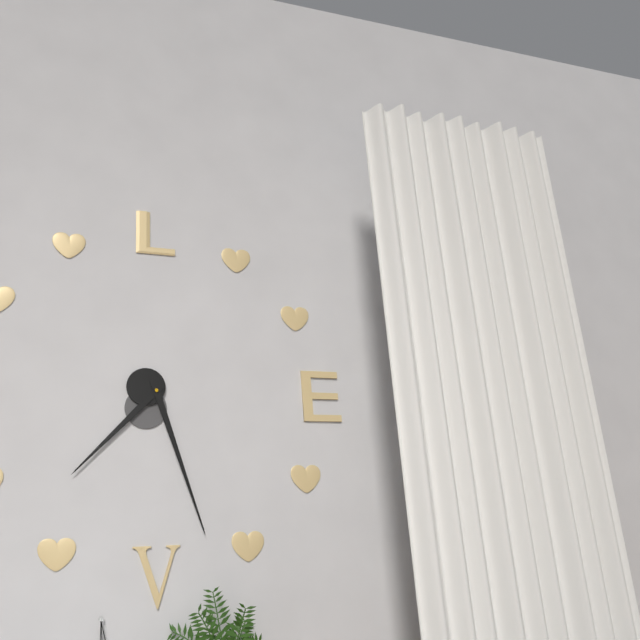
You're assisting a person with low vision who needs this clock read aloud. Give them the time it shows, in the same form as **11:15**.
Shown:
**7:27**
